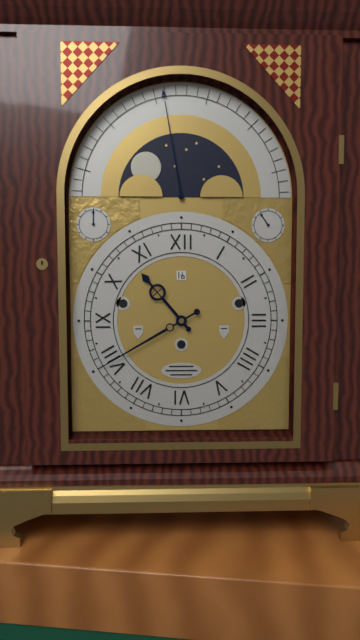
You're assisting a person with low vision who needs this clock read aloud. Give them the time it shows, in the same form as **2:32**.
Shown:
**10:40**
